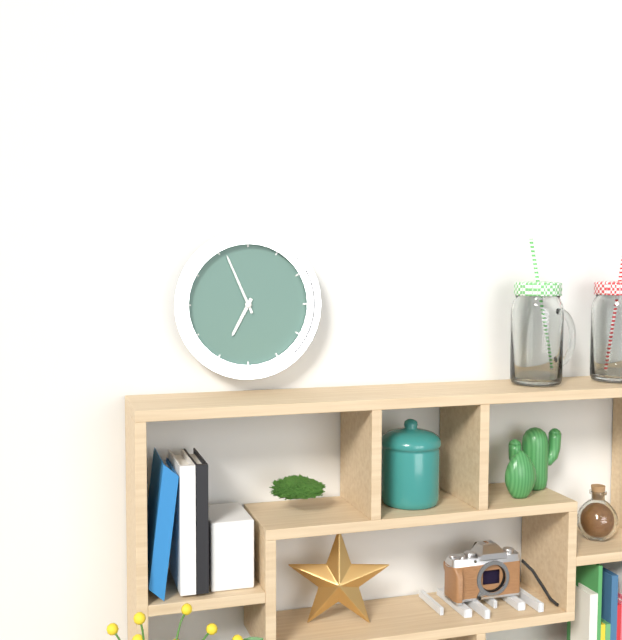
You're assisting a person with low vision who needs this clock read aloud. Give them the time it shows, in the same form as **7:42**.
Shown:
**6:56**
